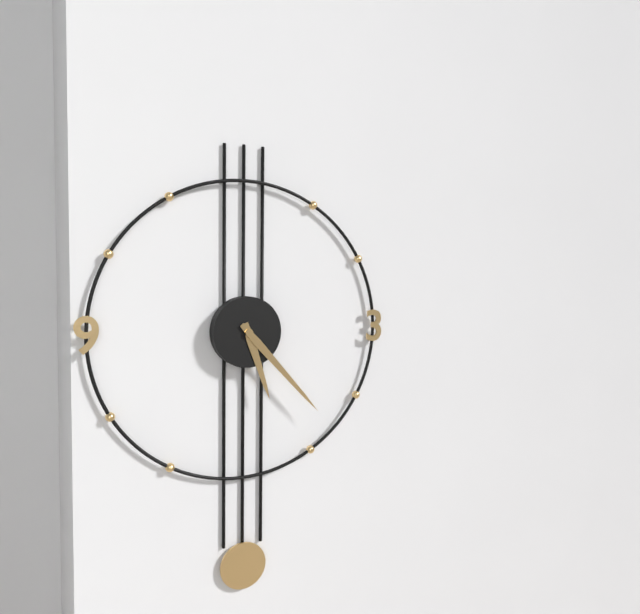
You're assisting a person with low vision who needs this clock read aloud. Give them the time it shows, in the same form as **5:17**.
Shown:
**5:23**
